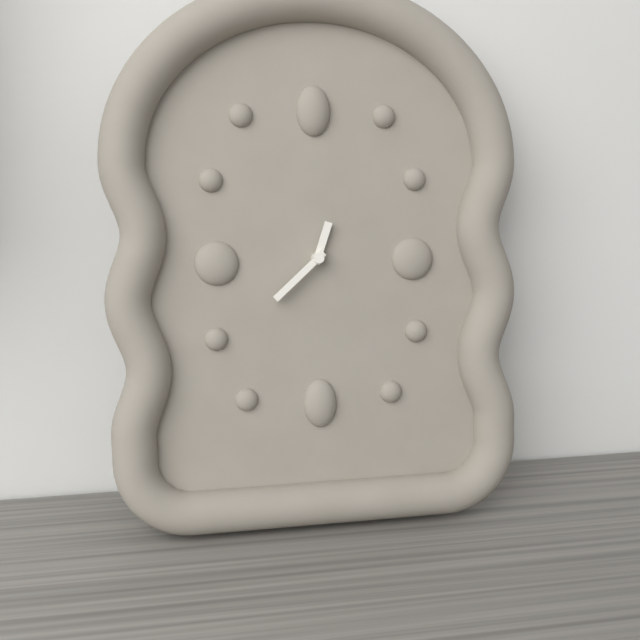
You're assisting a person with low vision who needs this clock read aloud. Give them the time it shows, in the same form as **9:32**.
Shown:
**12:38**
